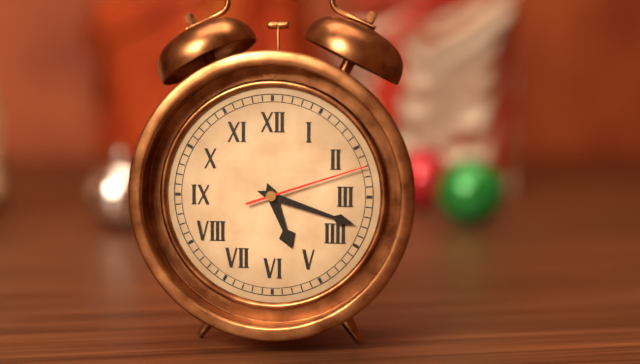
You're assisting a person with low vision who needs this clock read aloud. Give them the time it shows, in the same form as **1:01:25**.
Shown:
**5:18:12**
